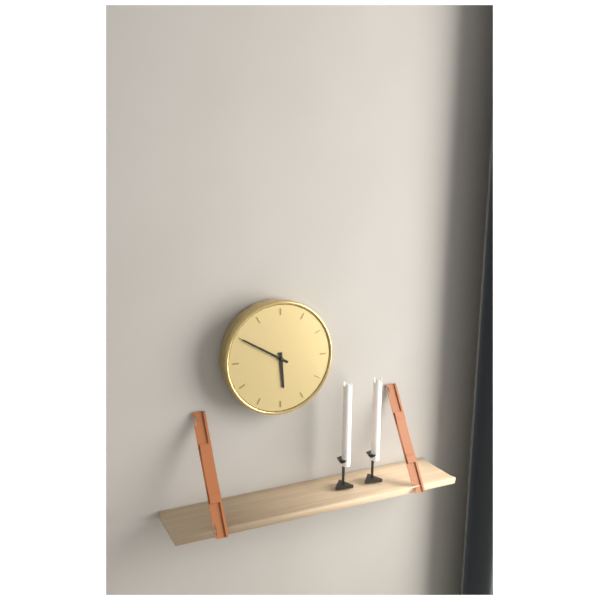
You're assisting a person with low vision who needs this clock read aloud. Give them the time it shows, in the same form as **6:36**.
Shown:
**5:50**
